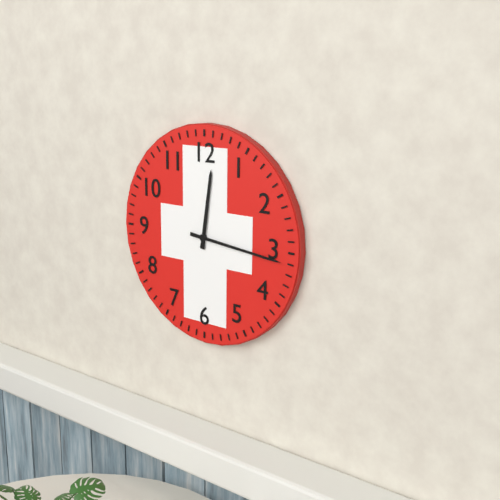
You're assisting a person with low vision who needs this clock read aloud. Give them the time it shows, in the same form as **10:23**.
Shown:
**12:16**
